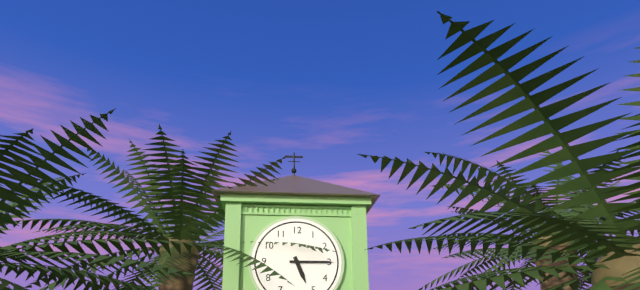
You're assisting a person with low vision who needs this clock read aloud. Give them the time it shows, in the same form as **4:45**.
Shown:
**5:15**
